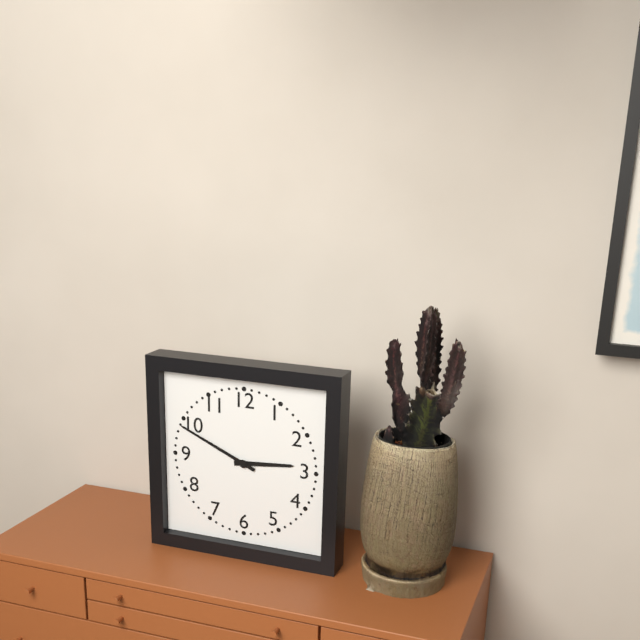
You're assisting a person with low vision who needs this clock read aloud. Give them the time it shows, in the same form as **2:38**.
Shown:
**2:49**
